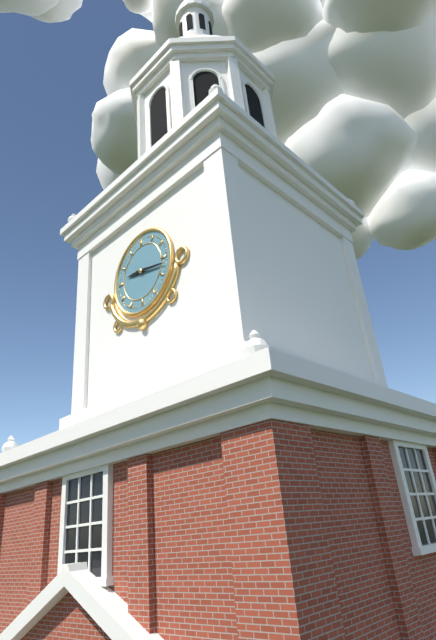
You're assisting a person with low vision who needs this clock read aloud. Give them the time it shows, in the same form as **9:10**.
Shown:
**9:17**
